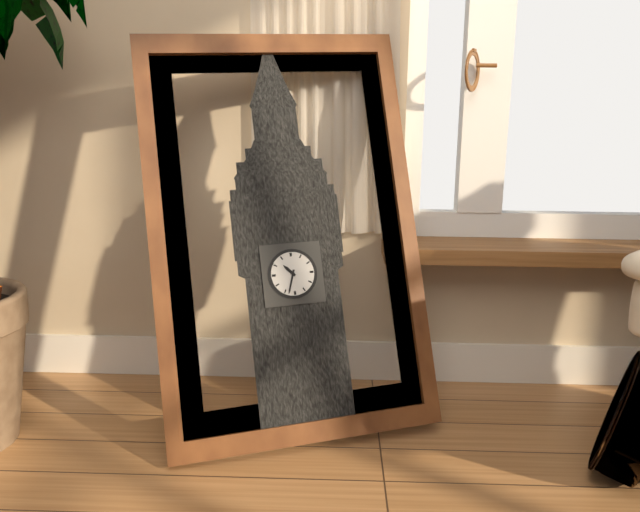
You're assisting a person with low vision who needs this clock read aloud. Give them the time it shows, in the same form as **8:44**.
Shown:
**10:33**
